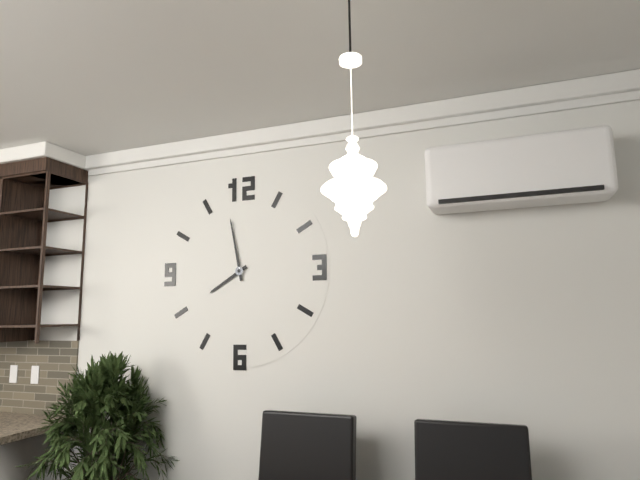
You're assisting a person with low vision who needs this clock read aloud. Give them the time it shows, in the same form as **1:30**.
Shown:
**7:58**
